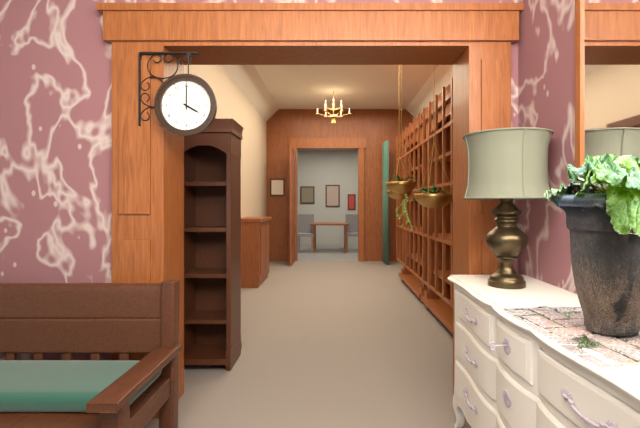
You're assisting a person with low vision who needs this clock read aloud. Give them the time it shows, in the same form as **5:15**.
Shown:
**4:00**
